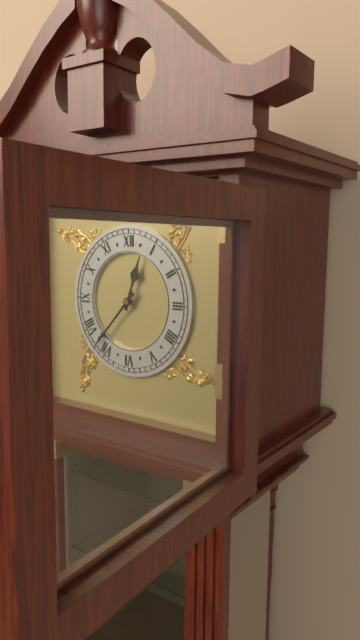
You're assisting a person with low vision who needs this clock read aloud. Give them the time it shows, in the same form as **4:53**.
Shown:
**12:37**
